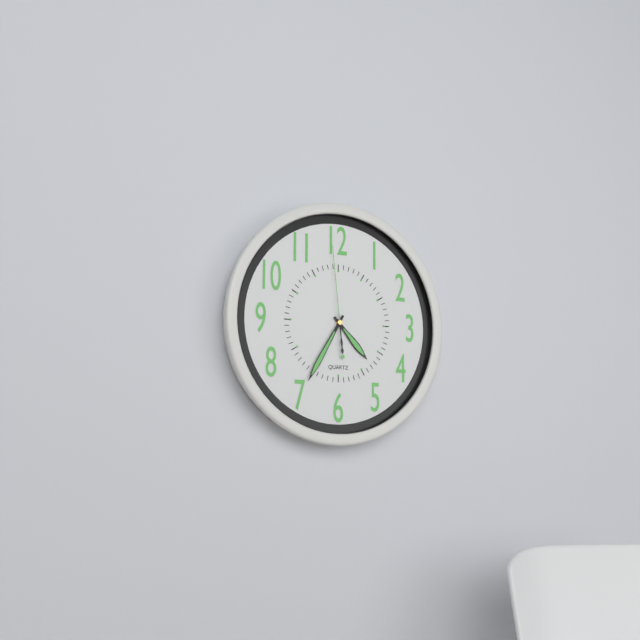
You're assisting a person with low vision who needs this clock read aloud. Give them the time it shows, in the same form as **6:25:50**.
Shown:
**4:35:59**
